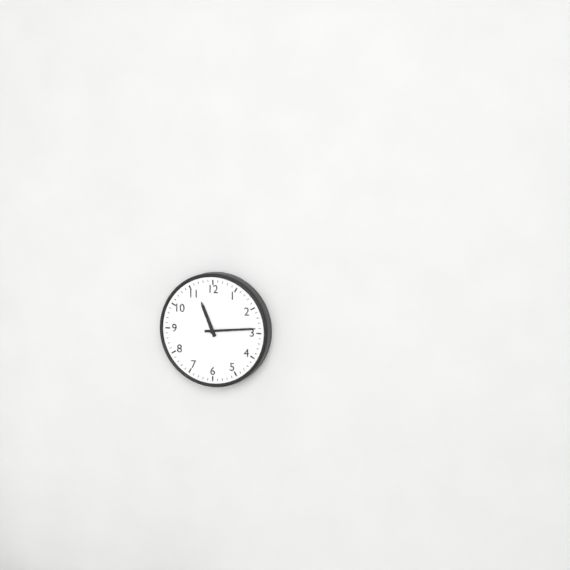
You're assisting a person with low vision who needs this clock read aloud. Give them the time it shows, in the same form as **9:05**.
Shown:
**11:14**
